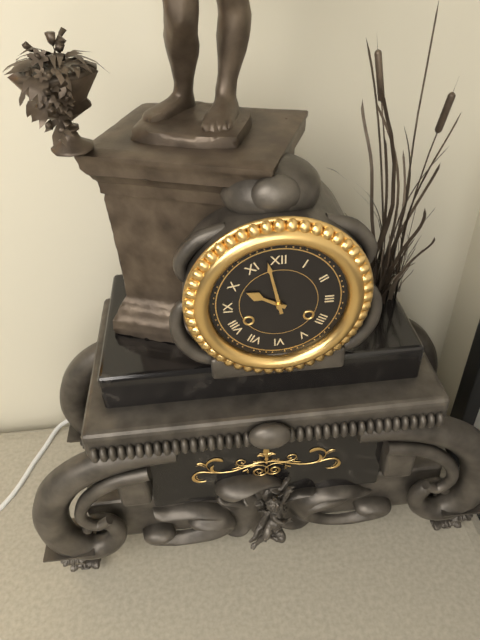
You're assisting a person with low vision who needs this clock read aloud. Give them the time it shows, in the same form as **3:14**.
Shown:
**9:58**
